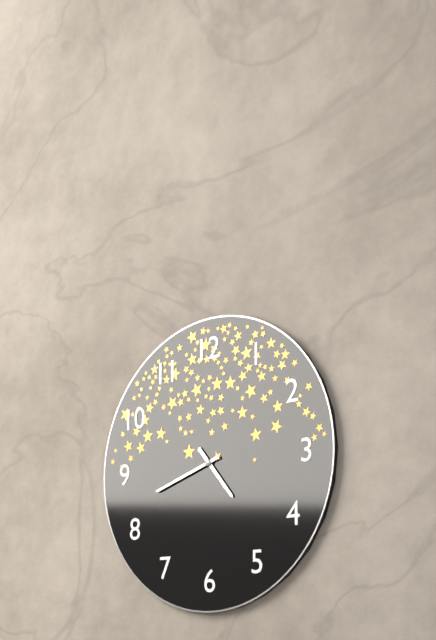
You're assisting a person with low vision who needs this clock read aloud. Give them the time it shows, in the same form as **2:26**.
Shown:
**4:42**
